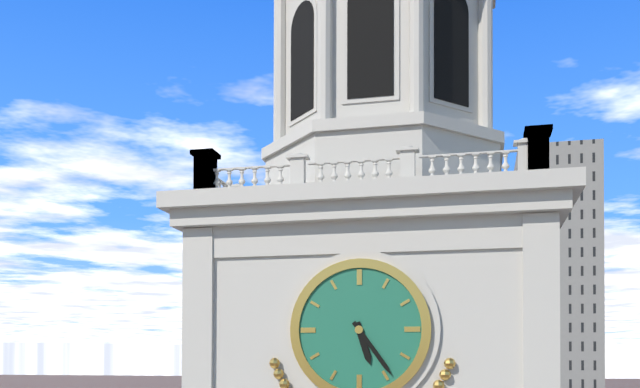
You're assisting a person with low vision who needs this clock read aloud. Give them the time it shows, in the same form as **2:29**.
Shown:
**5:24**
